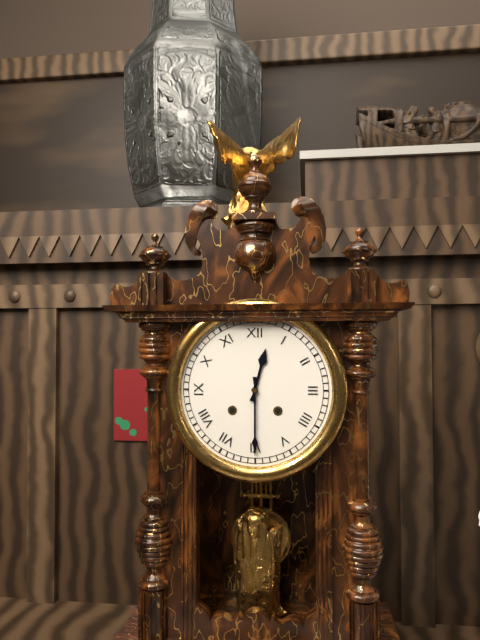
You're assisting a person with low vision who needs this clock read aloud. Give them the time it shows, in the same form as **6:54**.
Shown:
**12:30**
